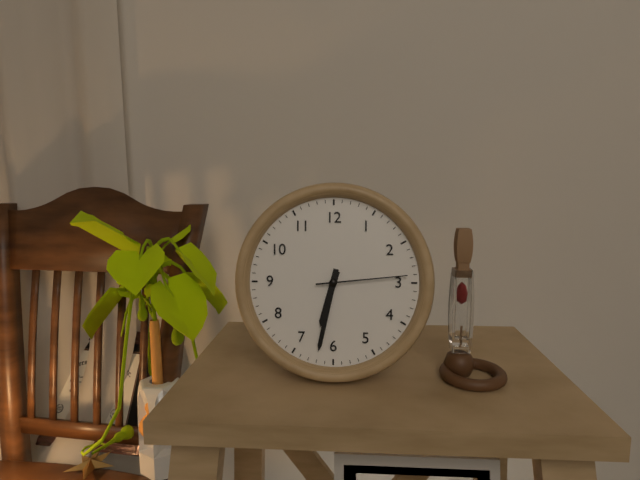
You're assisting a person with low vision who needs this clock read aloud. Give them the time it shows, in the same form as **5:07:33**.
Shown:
**6:32:14**
